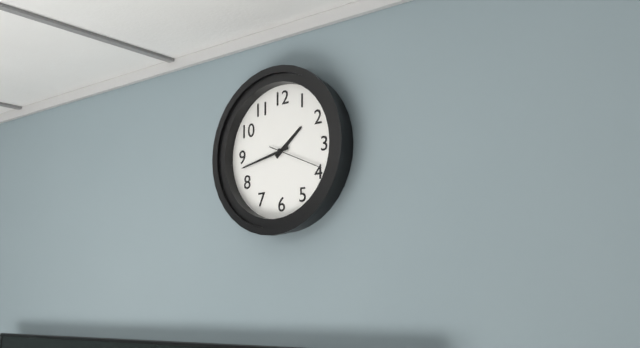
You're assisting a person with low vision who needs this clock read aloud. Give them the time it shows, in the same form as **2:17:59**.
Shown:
**1:43:19**
